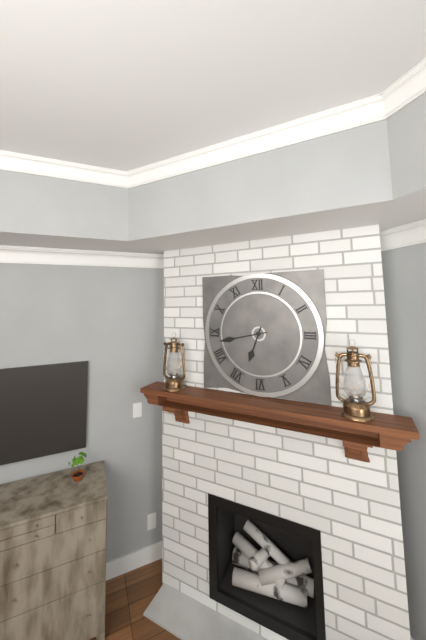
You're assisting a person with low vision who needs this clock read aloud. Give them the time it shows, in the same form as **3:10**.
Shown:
**6:43**
